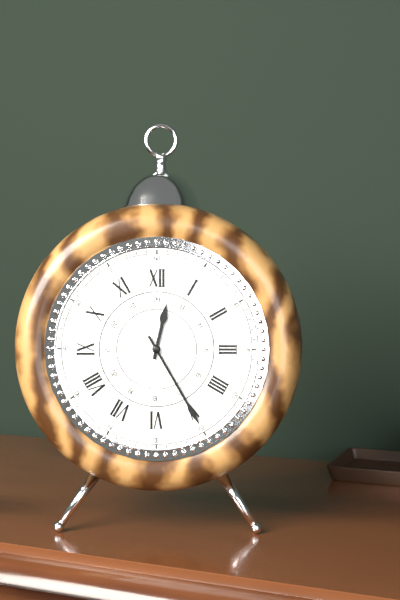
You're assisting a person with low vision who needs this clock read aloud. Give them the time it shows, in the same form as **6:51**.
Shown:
**12:25**
